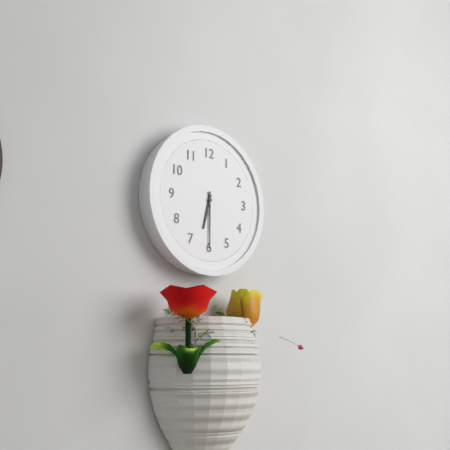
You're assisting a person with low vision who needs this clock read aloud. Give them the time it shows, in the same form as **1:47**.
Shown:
**6:30**
